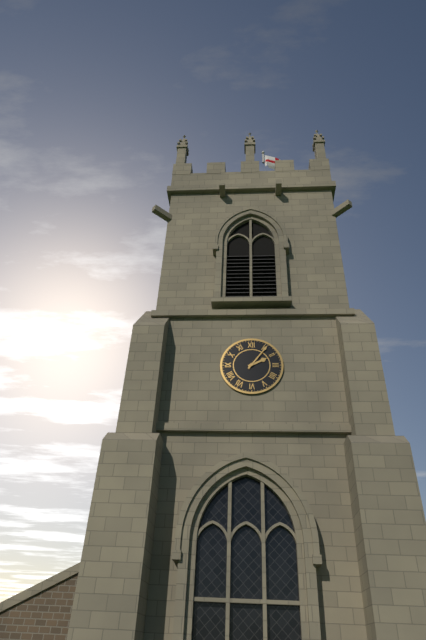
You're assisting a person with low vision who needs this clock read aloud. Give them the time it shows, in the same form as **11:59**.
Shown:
**2:06**
